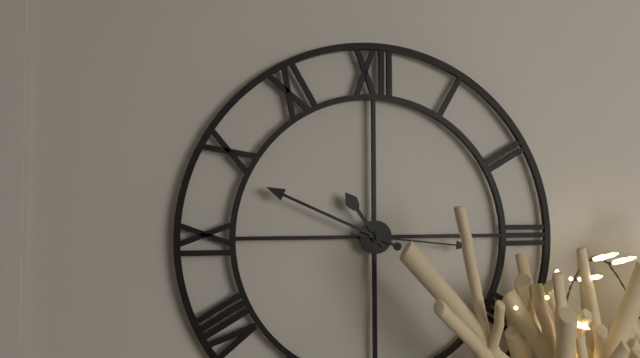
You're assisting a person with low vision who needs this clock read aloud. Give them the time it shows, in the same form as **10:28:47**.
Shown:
**10:49:16**
